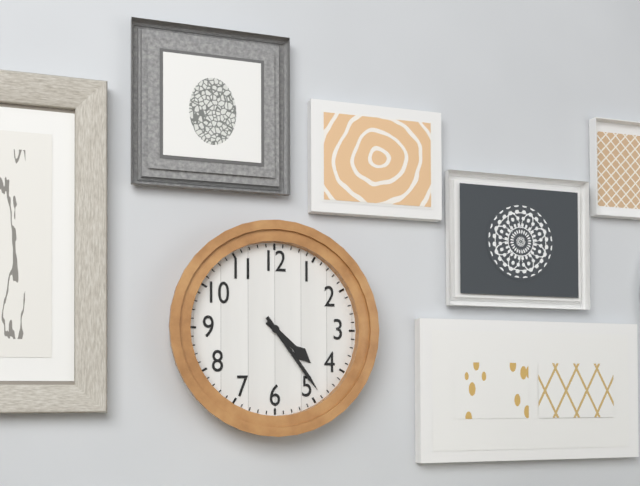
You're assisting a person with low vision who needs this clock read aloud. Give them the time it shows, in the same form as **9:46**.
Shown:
**4:24**
